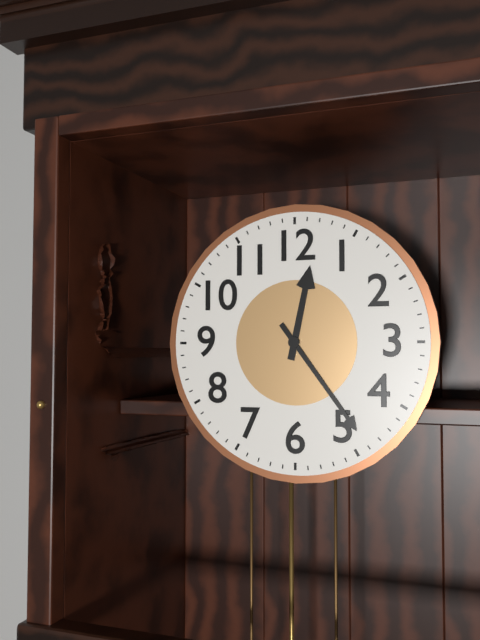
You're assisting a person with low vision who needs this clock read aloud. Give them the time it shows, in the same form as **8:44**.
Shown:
**12:24**
